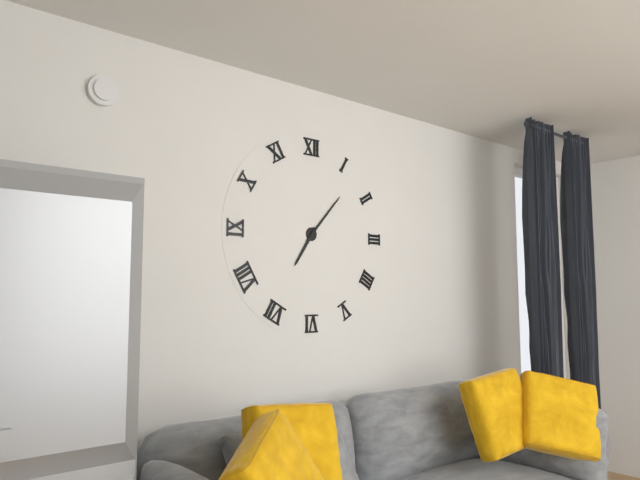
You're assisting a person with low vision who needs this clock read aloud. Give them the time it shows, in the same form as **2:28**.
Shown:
**7:07**
